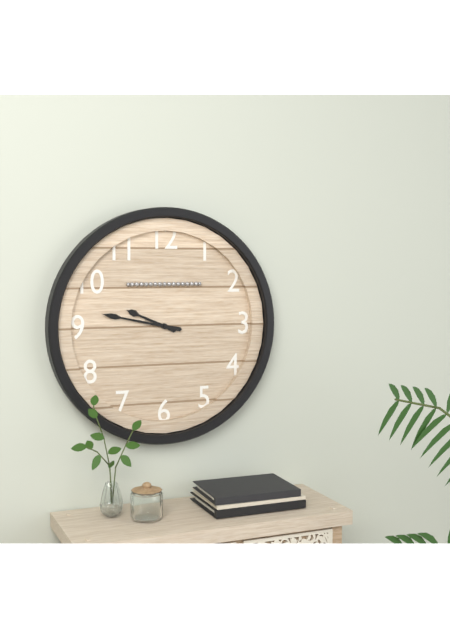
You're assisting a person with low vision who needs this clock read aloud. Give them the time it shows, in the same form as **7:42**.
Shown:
**9:47**
